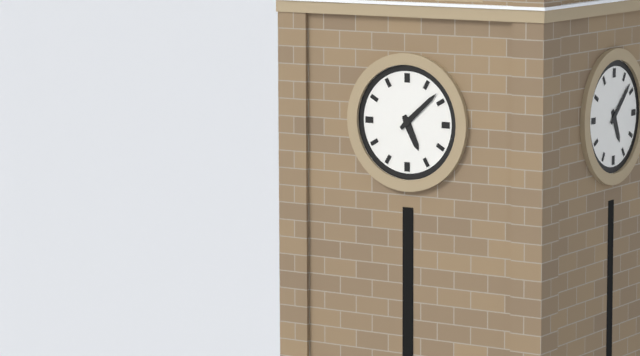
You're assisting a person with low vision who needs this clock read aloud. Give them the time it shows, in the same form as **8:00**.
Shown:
**5:08**
